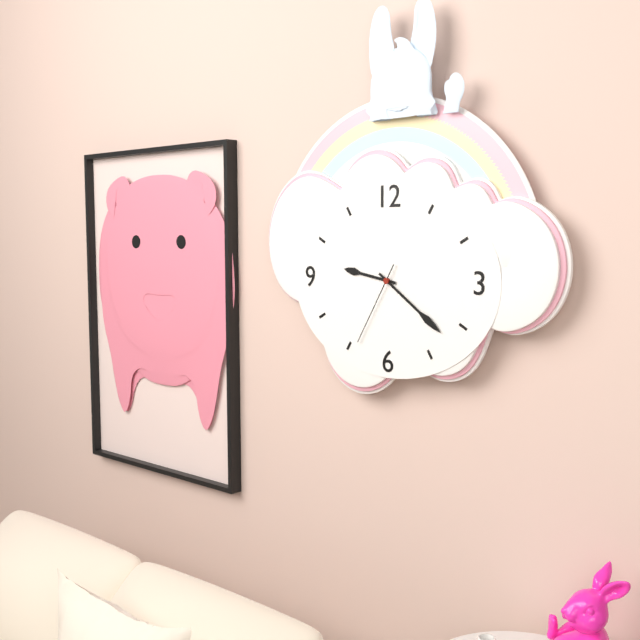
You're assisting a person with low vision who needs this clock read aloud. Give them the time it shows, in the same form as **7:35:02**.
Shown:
**9:21:35**
